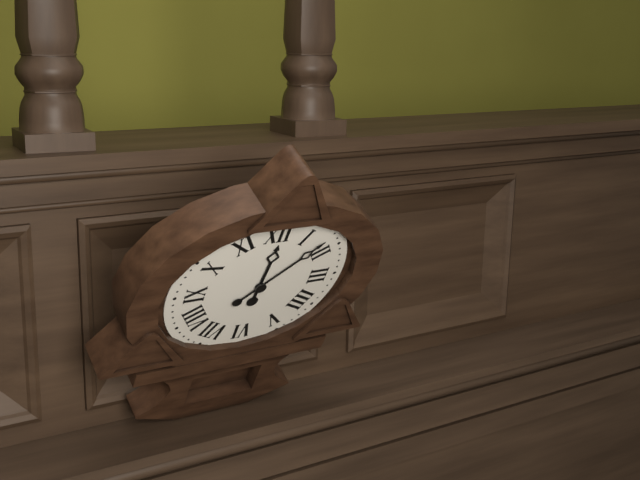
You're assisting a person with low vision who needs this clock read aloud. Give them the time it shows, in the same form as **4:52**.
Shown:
**12:08**
